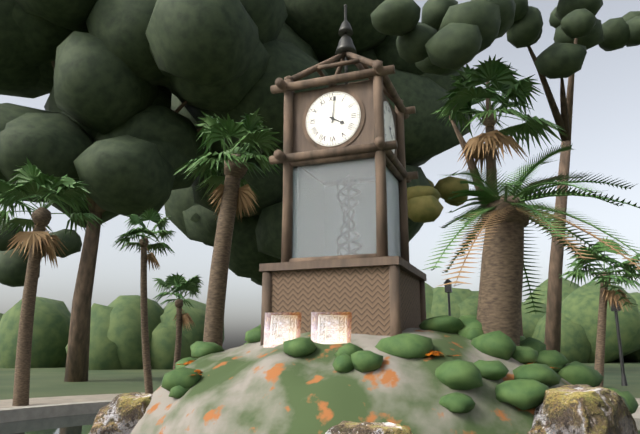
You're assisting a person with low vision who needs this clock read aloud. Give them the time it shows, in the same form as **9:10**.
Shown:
**4:01**
